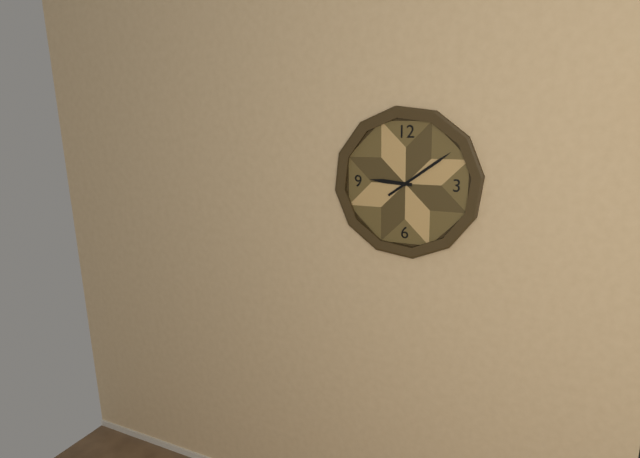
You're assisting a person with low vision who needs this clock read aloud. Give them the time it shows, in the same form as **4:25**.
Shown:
**9:09**
